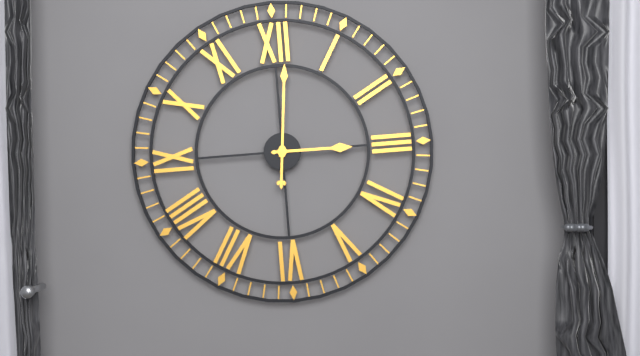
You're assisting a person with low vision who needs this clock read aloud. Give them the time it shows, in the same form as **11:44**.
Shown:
**3:01**
